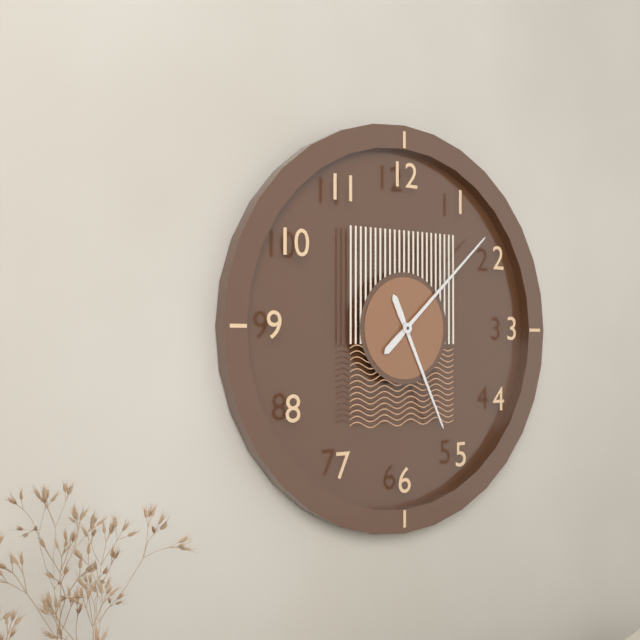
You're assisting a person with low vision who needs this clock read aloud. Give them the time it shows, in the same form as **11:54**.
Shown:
**5:08**
